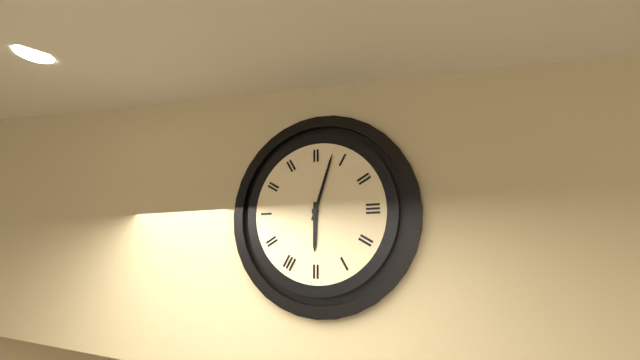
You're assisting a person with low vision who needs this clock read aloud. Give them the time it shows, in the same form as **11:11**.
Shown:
**6:03**
